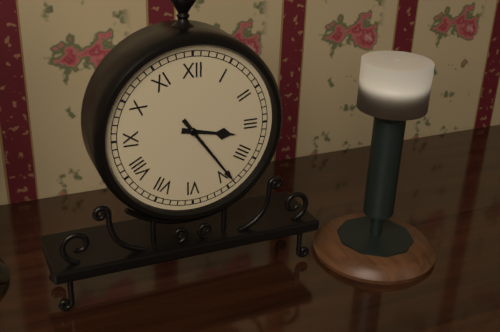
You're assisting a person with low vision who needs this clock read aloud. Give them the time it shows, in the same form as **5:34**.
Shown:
**3:24**
